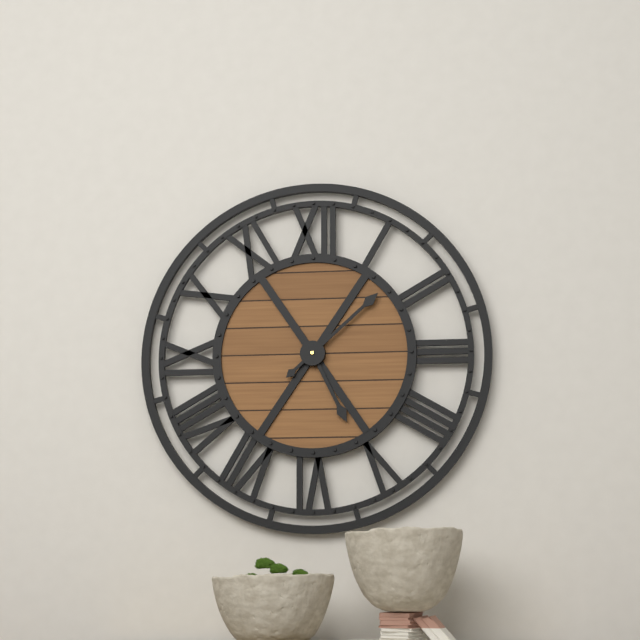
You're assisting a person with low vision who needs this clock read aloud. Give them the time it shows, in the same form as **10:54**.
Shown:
**5:08**
